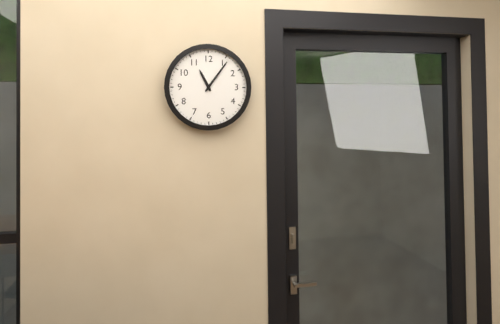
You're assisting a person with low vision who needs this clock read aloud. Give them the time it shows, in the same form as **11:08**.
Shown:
**11:06**
